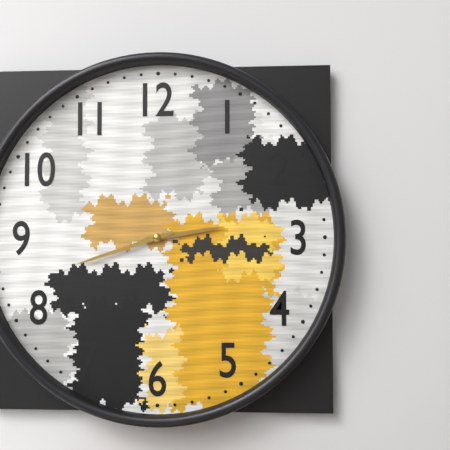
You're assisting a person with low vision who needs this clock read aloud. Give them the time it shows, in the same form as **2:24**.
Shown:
**2:42**
